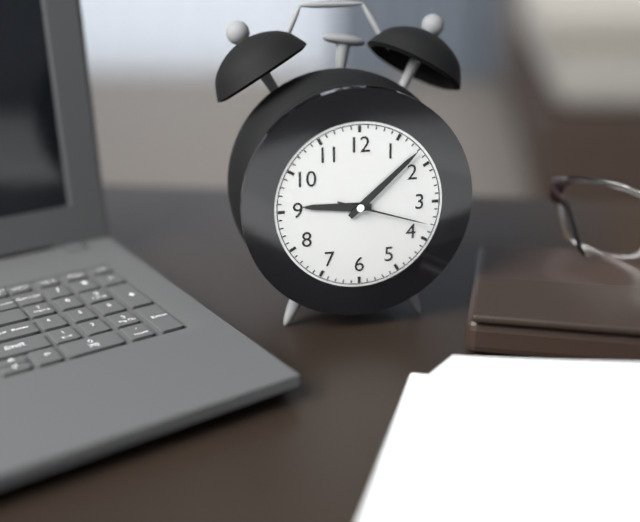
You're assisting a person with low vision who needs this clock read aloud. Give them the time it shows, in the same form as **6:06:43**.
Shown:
**9:08:18**
